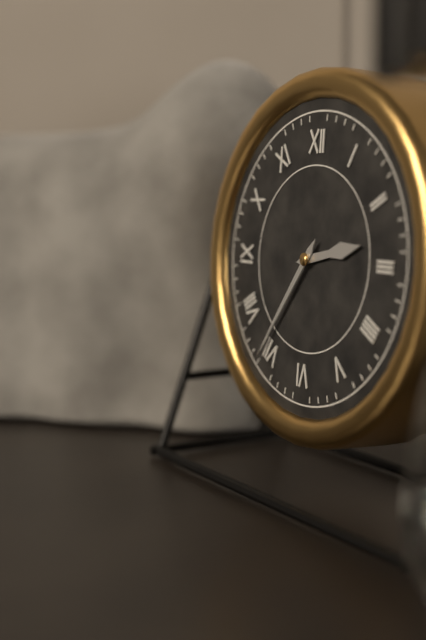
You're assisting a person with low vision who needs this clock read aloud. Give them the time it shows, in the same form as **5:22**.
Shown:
**2:36**
